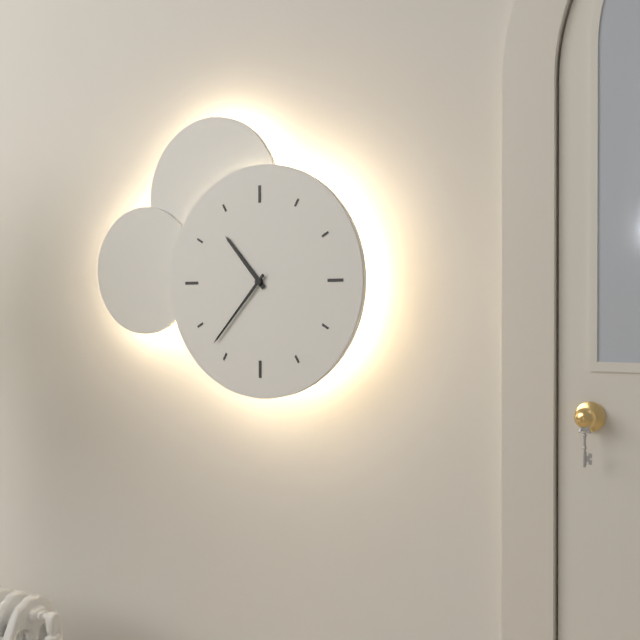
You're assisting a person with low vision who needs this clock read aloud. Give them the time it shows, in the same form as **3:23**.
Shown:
**10:37**
